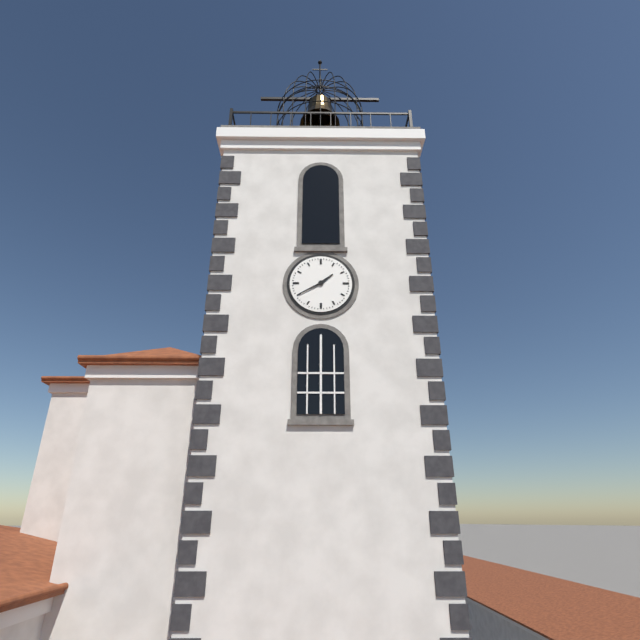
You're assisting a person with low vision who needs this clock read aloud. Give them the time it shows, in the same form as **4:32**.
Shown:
**1:40**
